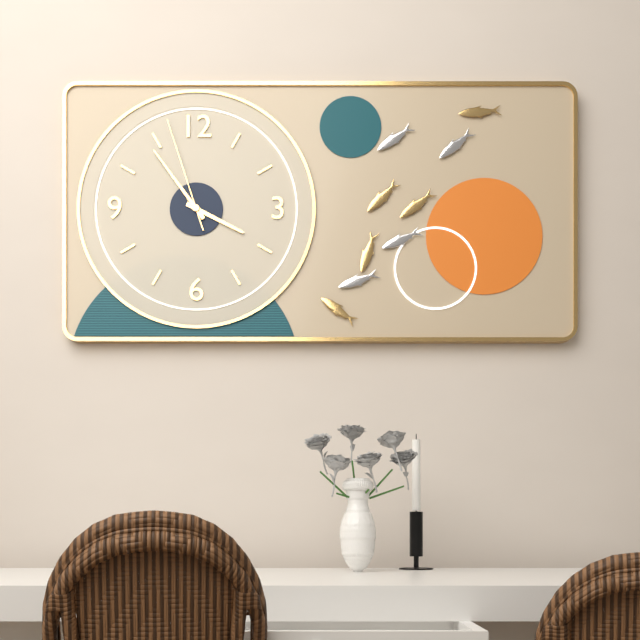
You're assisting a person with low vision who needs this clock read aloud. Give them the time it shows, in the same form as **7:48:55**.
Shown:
**3:54:57**
